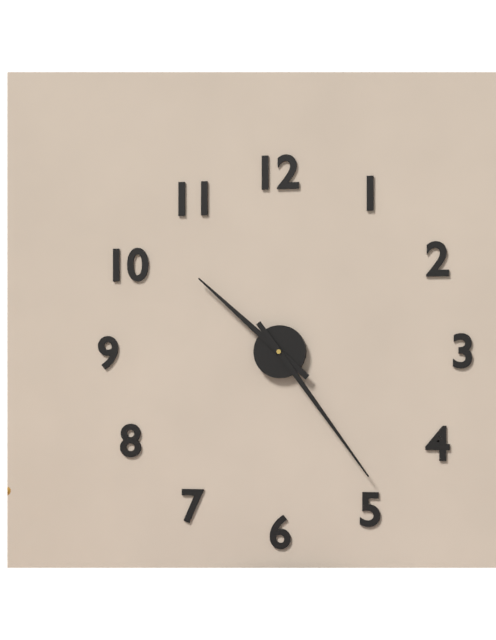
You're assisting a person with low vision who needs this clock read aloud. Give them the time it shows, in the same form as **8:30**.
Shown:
**10:24**
